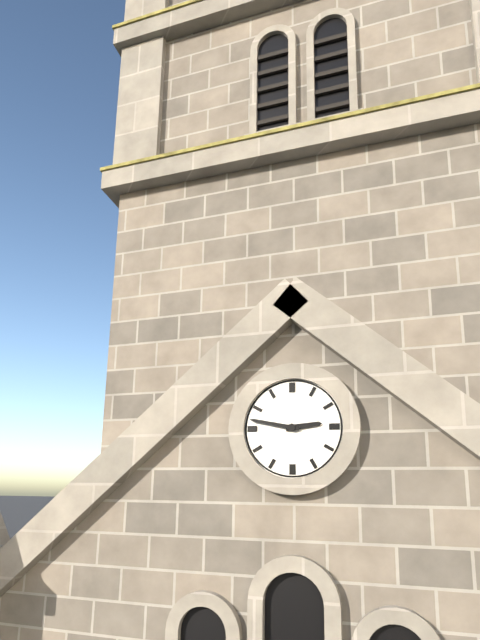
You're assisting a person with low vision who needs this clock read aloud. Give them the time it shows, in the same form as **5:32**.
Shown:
**2:47**
